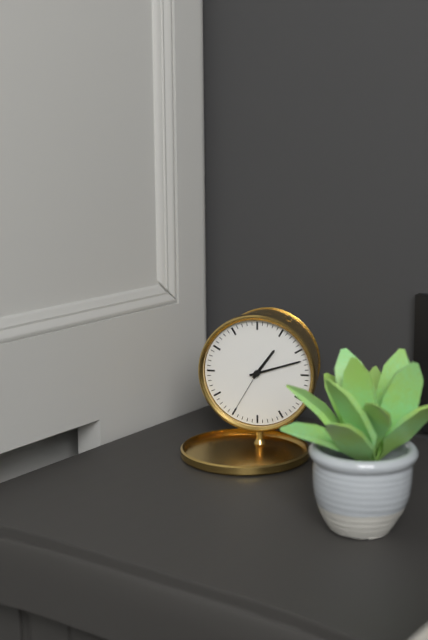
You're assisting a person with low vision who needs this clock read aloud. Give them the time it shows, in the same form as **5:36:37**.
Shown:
**1:12:35**
